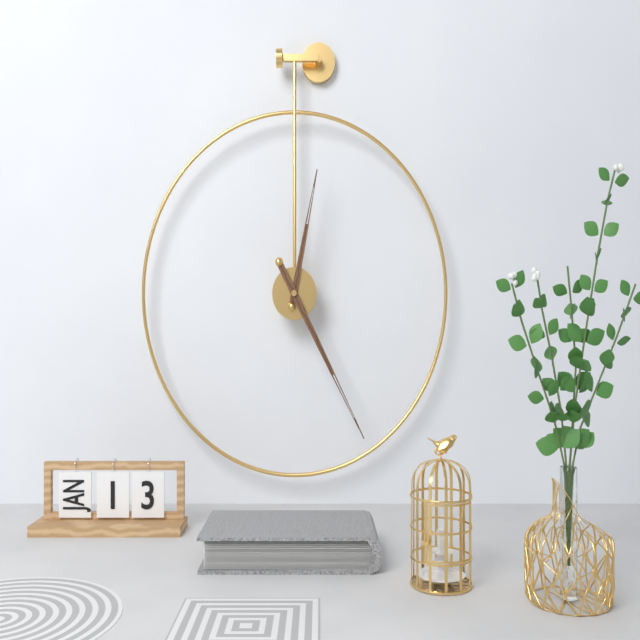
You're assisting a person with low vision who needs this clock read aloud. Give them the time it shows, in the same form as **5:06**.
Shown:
**12:25**
